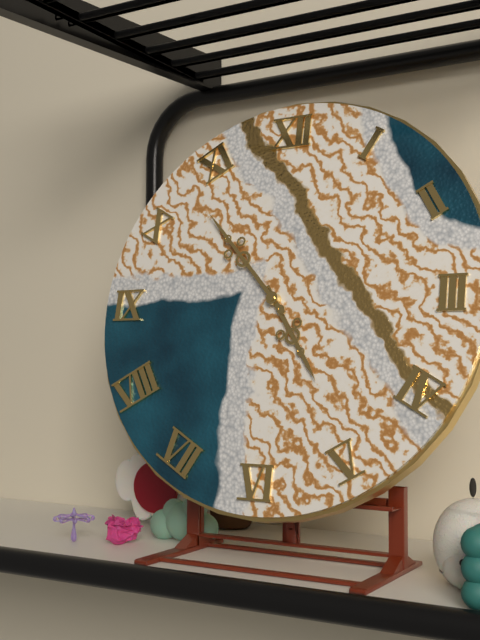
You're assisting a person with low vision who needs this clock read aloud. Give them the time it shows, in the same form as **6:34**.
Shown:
**4:53**
